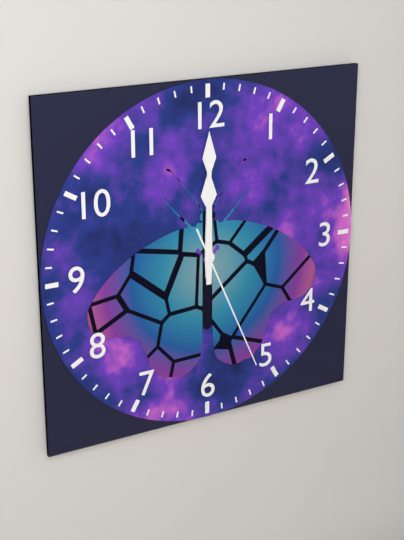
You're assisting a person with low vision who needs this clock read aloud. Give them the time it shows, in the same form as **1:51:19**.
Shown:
**12:00:26**
